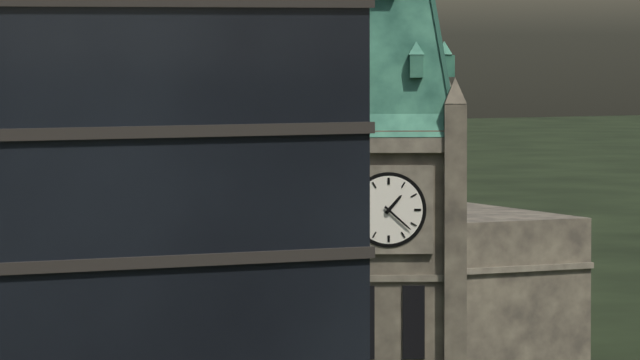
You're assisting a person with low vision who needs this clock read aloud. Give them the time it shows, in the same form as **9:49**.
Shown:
**1:22**
